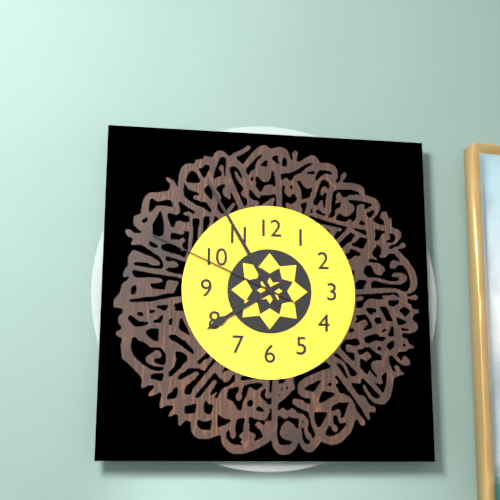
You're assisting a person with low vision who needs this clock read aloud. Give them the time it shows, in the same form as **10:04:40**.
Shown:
**7:55:49**
